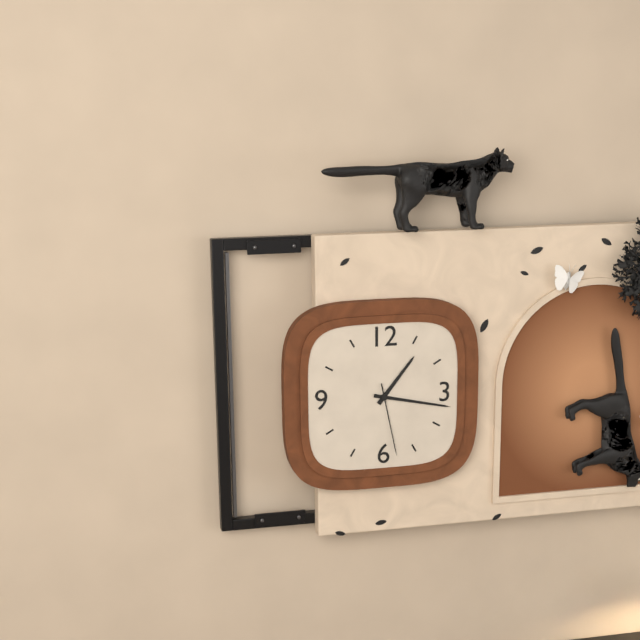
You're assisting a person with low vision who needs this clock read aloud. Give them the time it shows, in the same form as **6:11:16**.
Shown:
**1:17:28**
